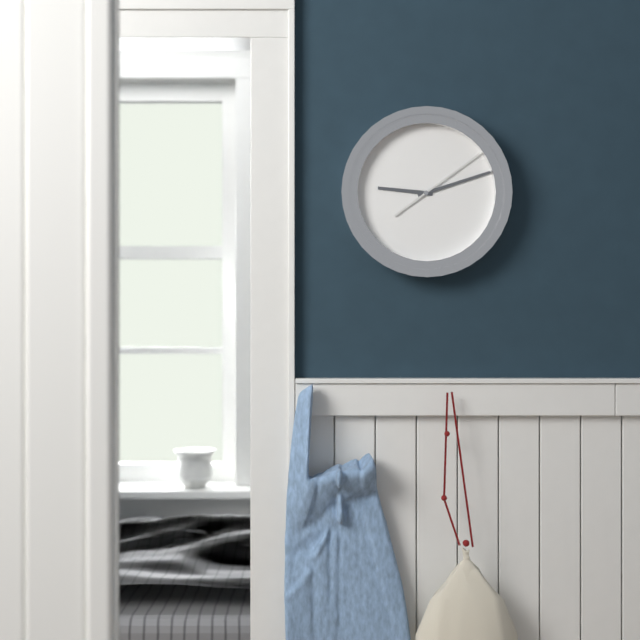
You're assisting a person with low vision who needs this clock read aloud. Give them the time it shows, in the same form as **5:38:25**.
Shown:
**9:12:09**
